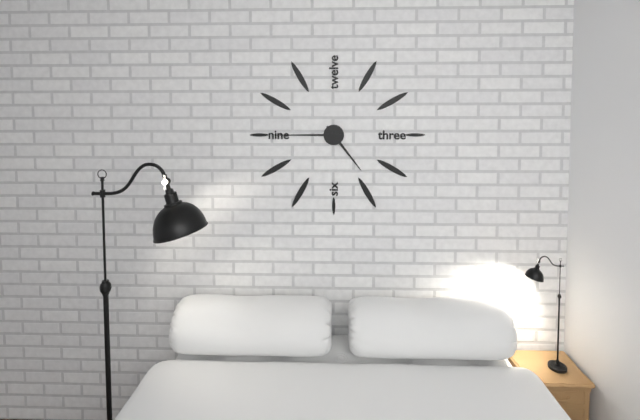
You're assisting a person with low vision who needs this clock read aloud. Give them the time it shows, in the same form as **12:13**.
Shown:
**4:45**
